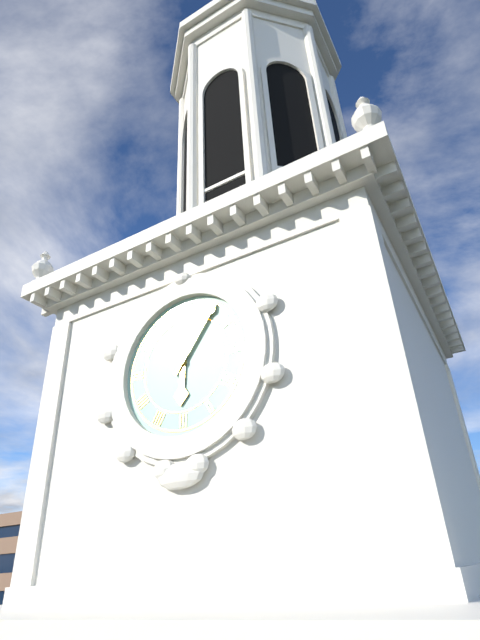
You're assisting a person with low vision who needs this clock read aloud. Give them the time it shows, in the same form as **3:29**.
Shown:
**6:06**
